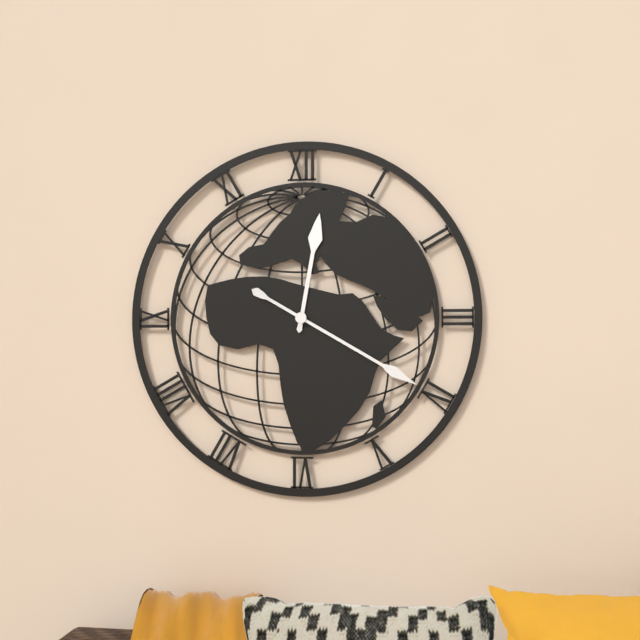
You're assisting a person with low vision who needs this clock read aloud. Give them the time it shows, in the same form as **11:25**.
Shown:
**12:20**
